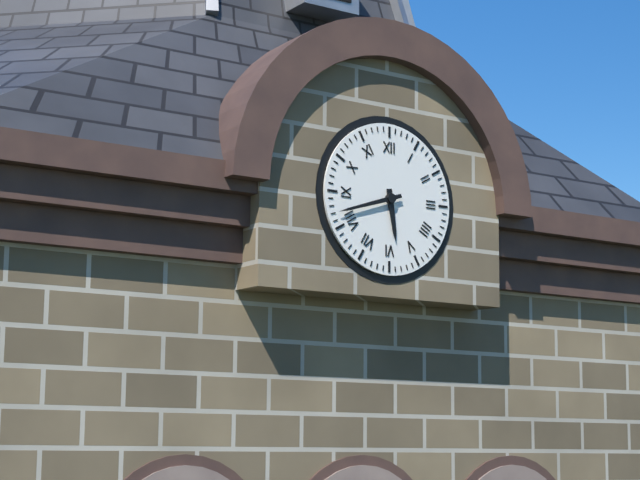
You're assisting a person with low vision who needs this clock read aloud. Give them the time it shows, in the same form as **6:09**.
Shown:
**5:42**
